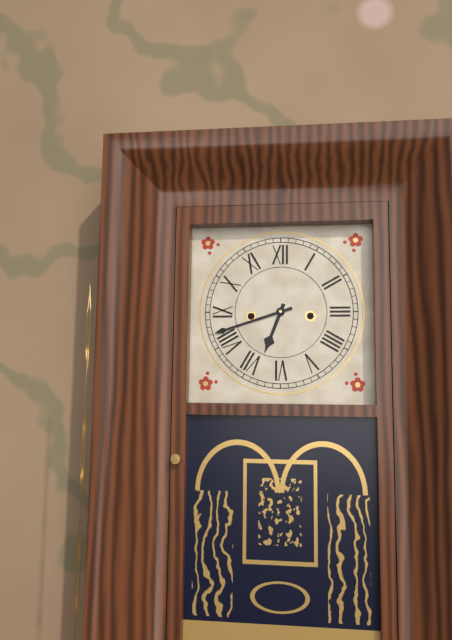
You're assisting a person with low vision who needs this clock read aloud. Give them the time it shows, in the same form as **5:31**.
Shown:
**6:42**
